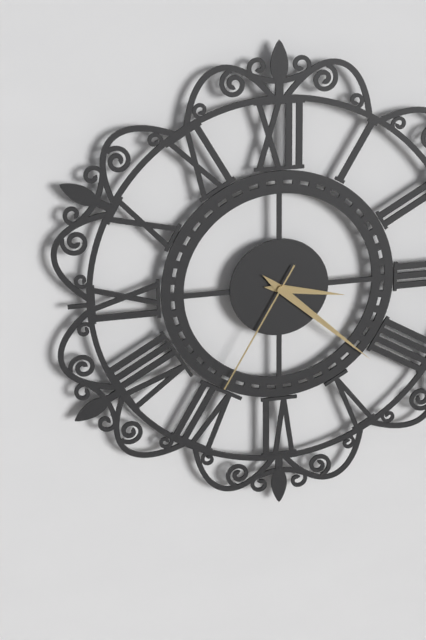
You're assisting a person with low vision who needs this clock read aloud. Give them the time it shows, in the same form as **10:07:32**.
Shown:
**3:22:35**
